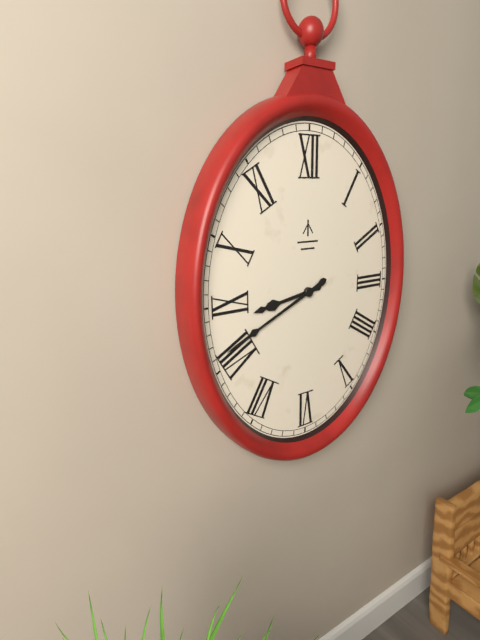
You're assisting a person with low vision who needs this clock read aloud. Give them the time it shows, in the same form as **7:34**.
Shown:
**8:41**
